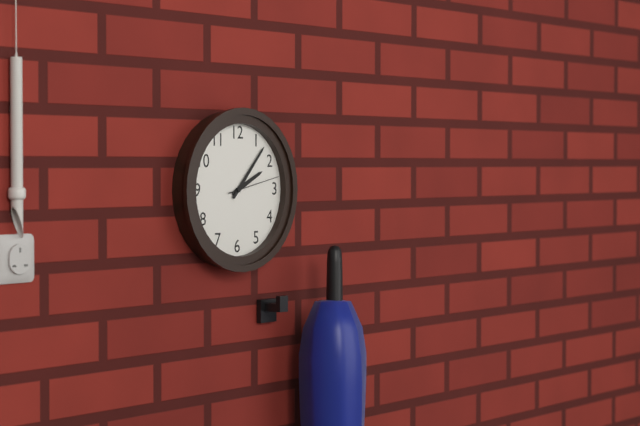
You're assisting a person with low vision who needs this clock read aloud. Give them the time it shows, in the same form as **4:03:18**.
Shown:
**2:07:13**
